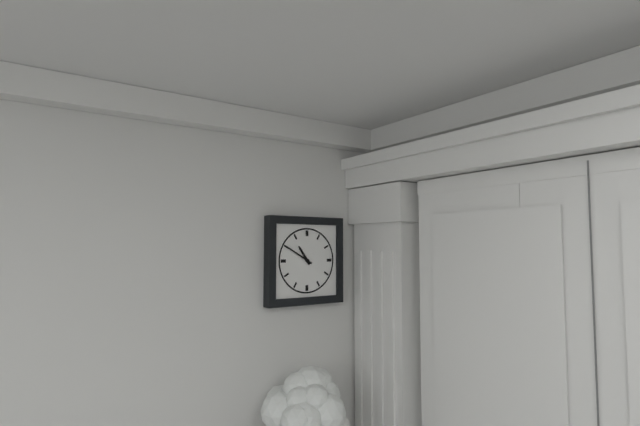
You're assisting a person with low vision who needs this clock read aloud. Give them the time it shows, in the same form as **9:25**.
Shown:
**10:50**
